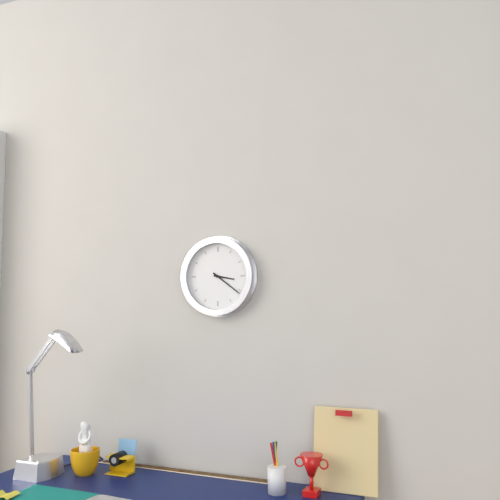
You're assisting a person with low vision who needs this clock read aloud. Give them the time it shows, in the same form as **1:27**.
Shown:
**3:21**
